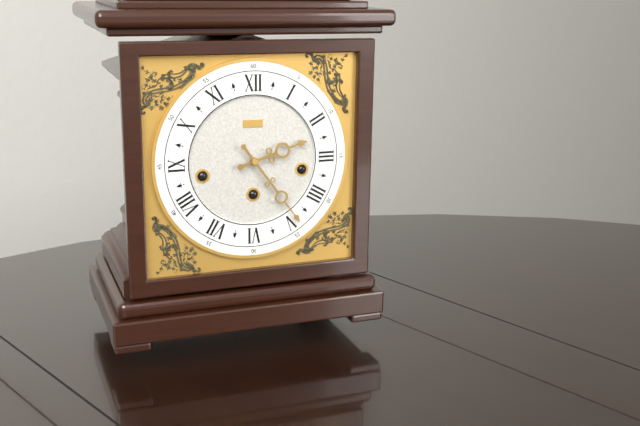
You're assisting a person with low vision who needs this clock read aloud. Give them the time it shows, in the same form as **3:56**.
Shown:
**2:24**
